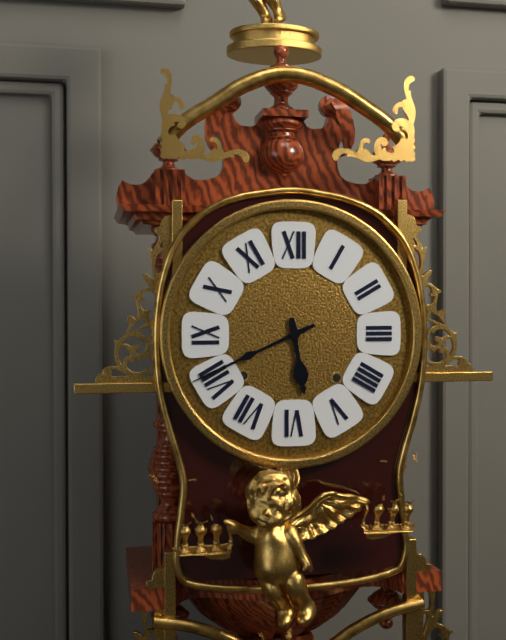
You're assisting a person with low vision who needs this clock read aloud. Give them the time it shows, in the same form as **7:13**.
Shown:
**5:41**
